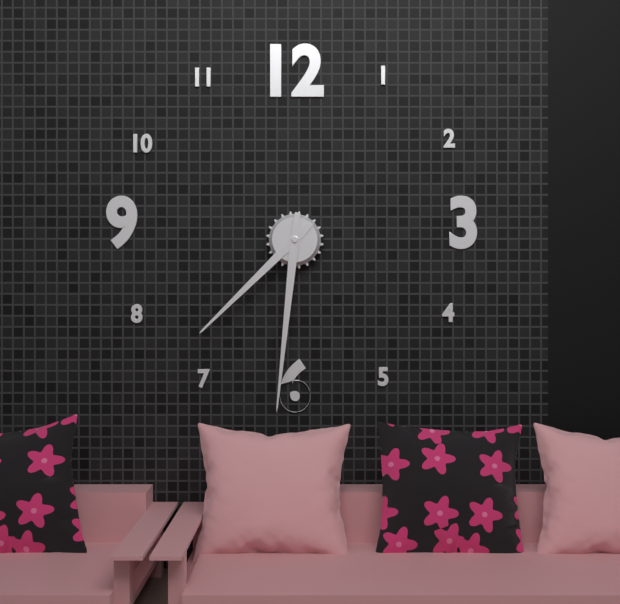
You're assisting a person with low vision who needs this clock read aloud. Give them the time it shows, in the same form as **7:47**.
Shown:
**7:31**
